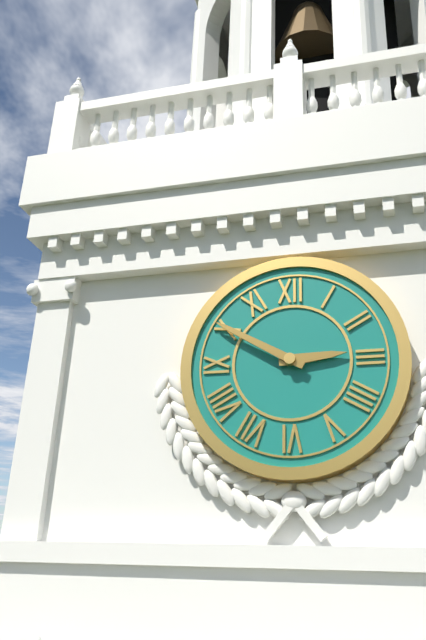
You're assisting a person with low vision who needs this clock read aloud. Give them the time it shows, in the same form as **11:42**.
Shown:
**2:50**
